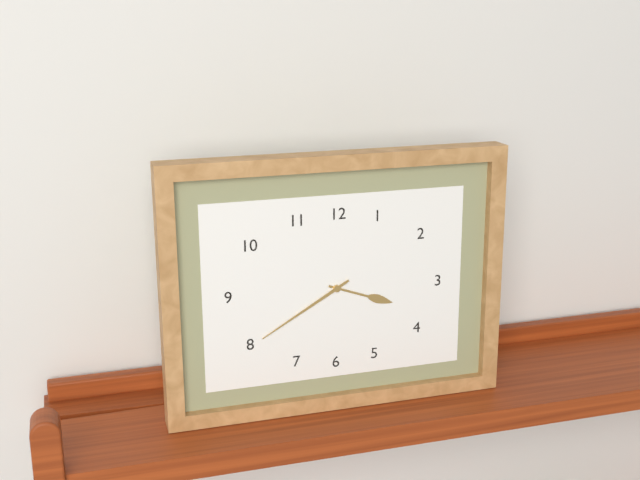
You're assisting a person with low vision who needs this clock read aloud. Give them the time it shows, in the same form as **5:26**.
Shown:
**3:40**
